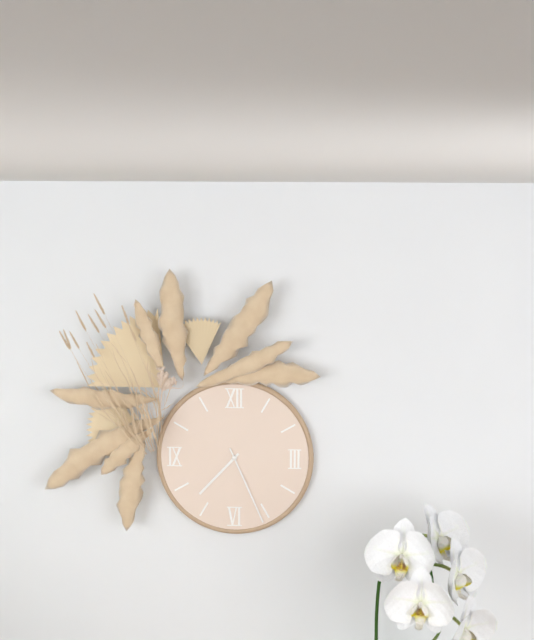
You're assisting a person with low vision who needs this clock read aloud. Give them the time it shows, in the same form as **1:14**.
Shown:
**7:26**
